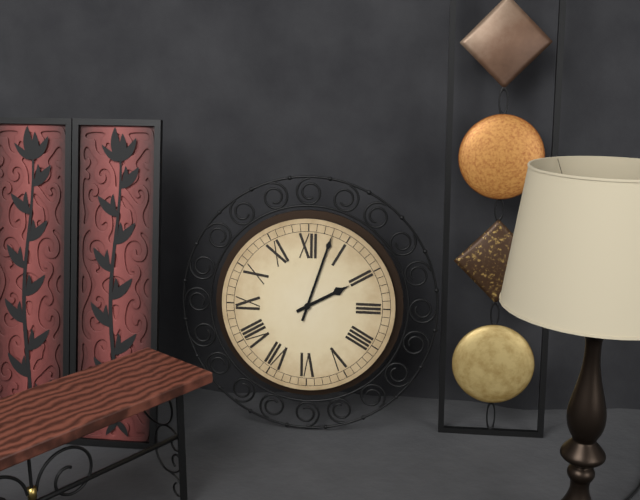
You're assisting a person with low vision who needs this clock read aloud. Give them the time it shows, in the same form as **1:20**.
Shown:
**2:03**
